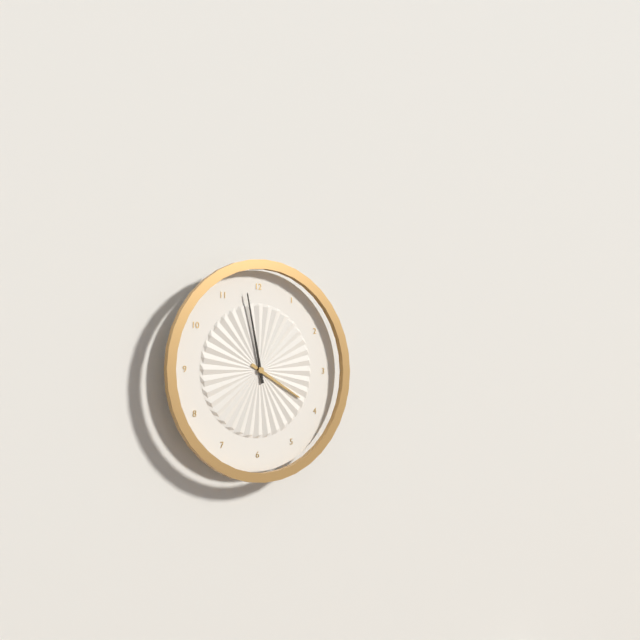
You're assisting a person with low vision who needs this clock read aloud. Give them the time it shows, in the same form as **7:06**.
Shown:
**3:58**
